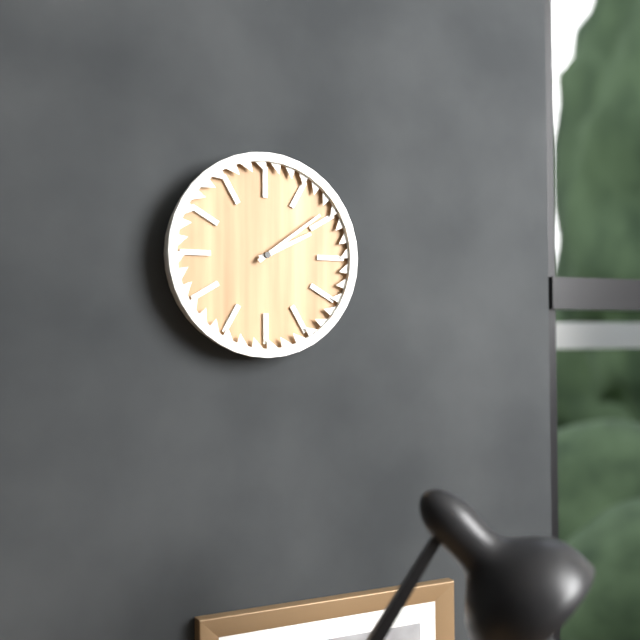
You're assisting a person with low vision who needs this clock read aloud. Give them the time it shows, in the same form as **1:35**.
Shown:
**2:09**
